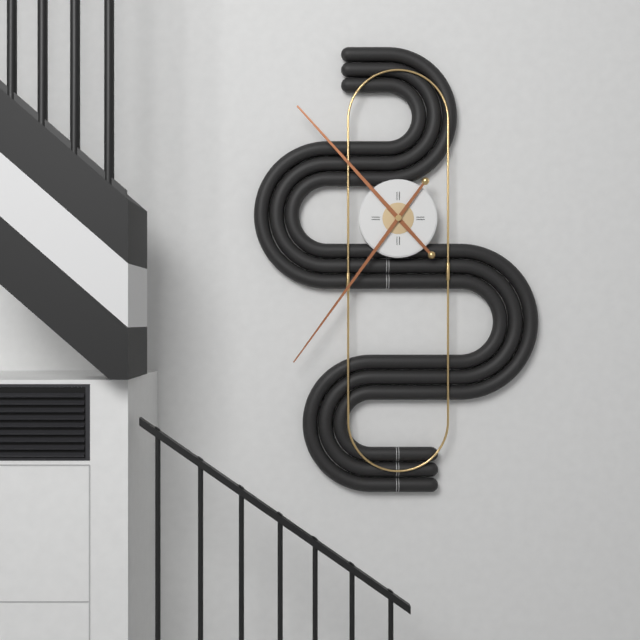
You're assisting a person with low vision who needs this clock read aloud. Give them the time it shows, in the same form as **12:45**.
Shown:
**10:36**
